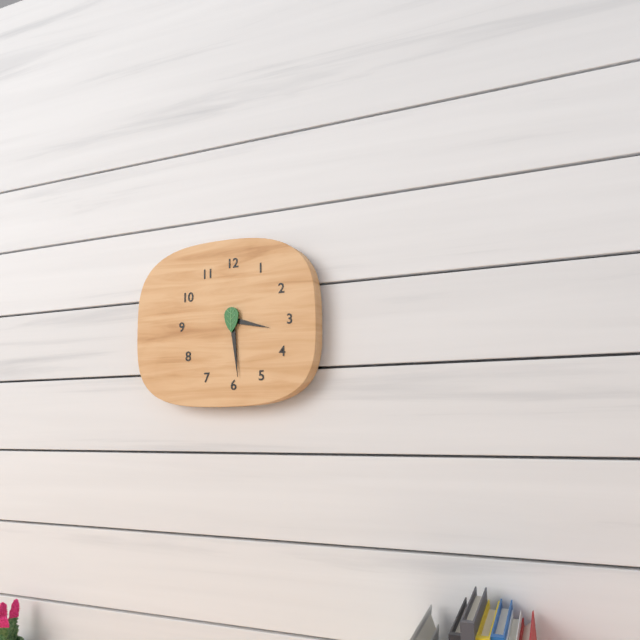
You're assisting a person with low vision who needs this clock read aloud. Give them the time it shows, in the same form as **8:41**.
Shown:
**3:29**
